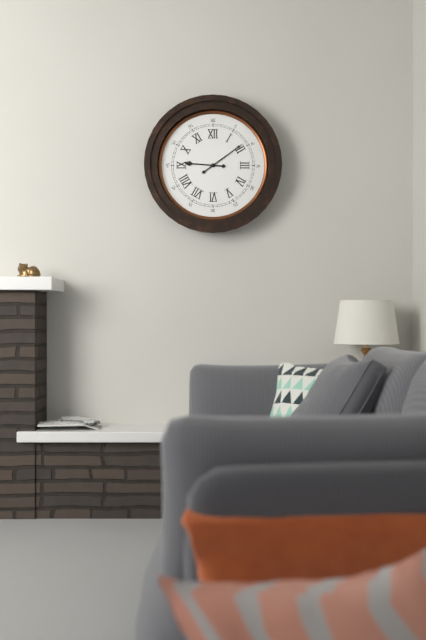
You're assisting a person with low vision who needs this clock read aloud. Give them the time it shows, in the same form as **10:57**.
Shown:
**9:09**
